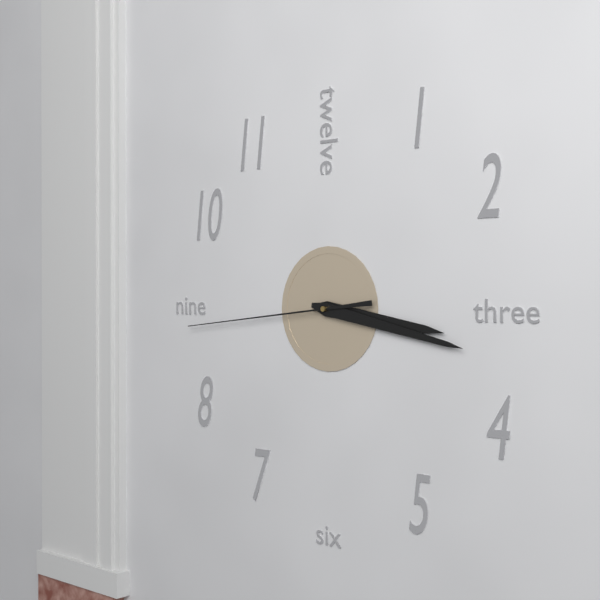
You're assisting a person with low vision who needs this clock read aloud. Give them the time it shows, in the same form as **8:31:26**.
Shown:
**3:17:44**
